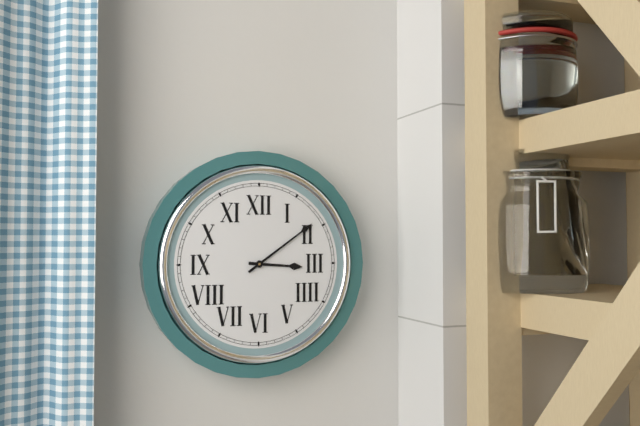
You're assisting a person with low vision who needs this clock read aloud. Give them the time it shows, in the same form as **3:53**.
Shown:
**3:09**
